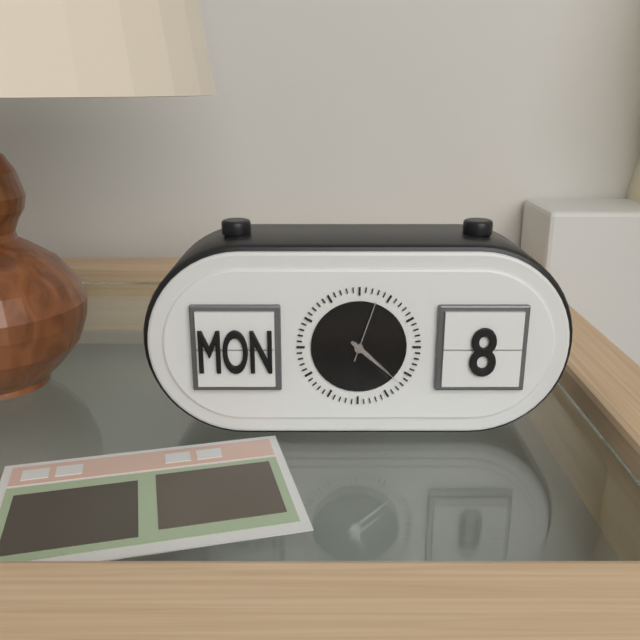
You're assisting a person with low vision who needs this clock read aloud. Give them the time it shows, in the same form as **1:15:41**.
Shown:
**4:22:03**
